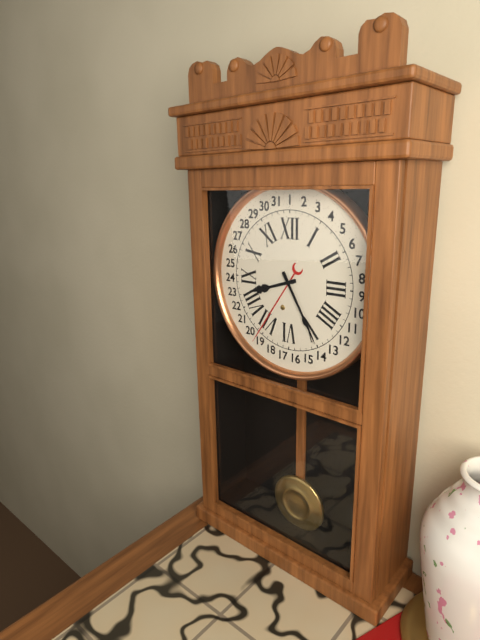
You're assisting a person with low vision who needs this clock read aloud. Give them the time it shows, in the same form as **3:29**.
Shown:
**8:25**
